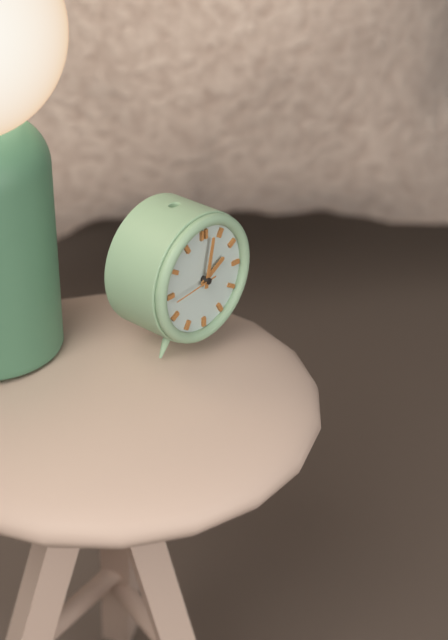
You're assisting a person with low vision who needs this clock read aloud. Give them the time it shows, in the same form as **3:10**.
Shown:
**2:02**
